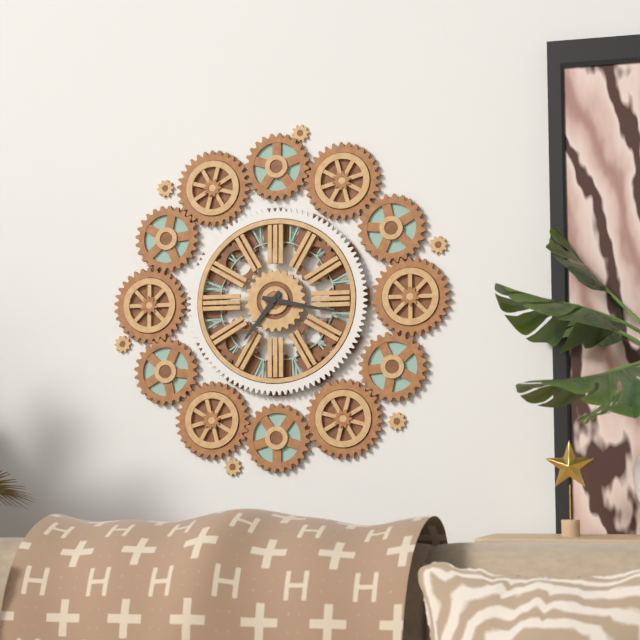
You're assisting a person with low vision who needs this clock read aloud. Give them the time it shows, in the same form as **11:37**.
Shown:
**7:17**
